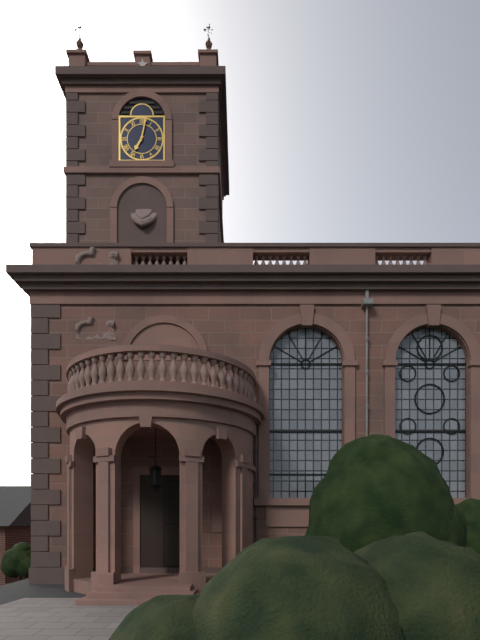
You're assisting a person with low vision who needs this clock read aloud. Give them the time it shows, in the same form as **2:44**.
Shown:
**7:02**
